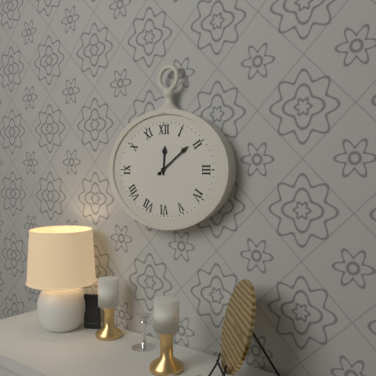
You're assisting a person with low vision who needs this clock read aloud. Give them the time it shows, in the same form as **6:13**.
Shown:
**12:09**
